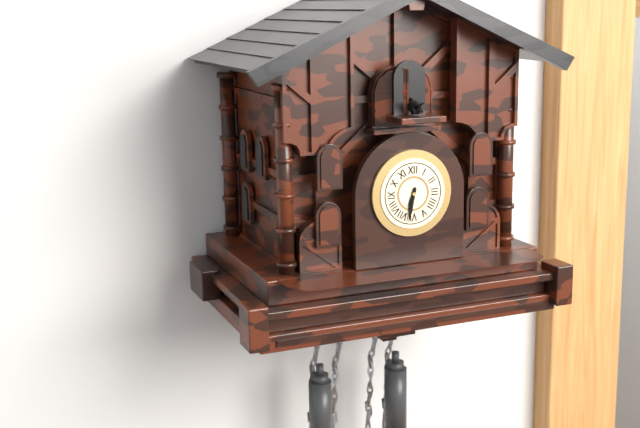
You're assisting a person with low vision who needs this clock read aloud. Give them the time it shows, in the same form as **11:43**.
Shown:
**6:32**
